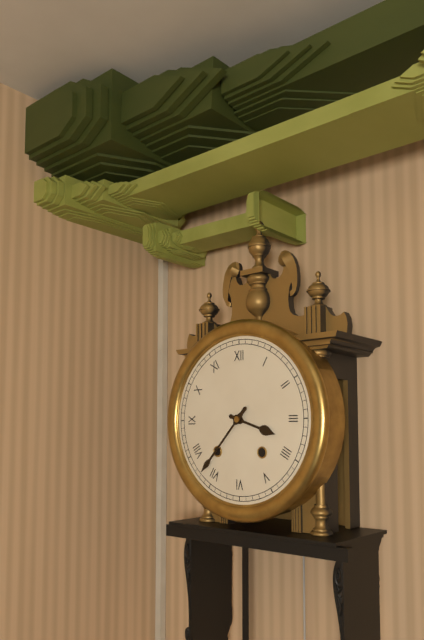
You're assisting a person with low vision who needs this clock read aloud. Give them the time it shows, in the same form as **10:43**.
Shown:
**3:37**
